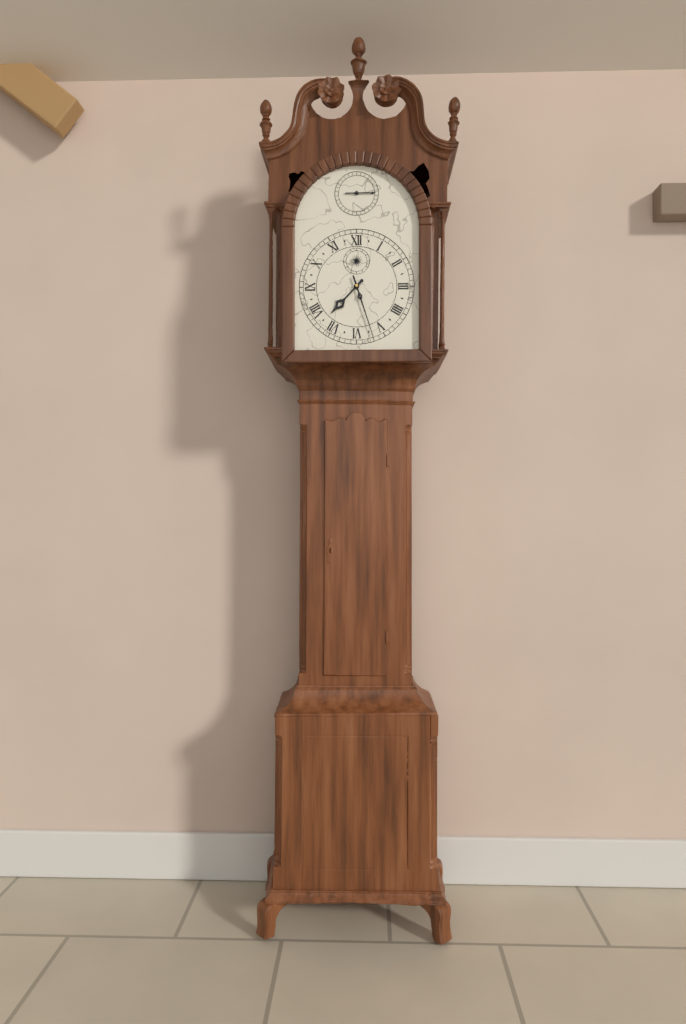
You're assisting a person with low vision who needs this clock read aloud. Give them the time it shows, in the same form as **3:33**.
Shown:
**7:27**
